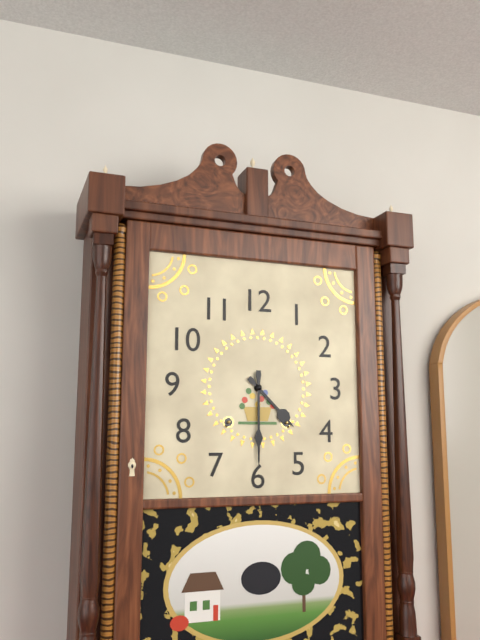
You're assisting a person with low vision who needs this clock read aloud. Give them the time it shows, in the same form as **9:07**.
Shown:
**4:30**
